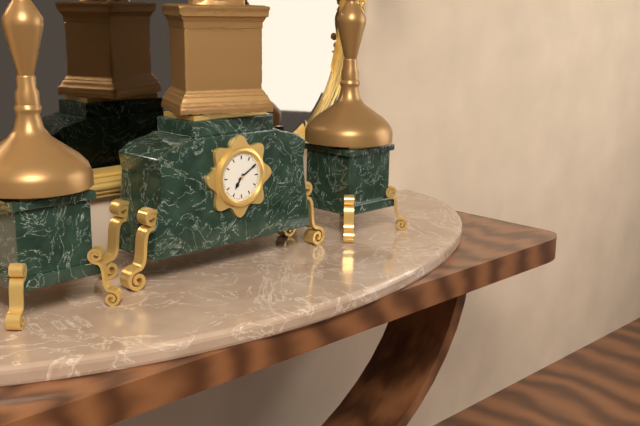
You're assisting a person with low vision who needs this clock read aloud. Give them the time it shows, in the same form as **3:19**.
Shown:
**7:10**
